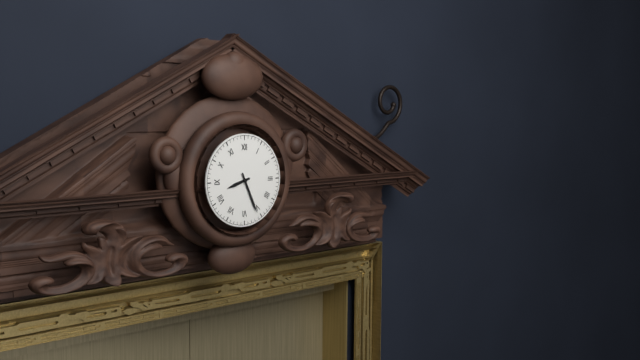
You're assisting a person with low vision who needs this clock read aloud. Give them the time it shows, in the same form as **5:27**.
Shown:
**8:26**
